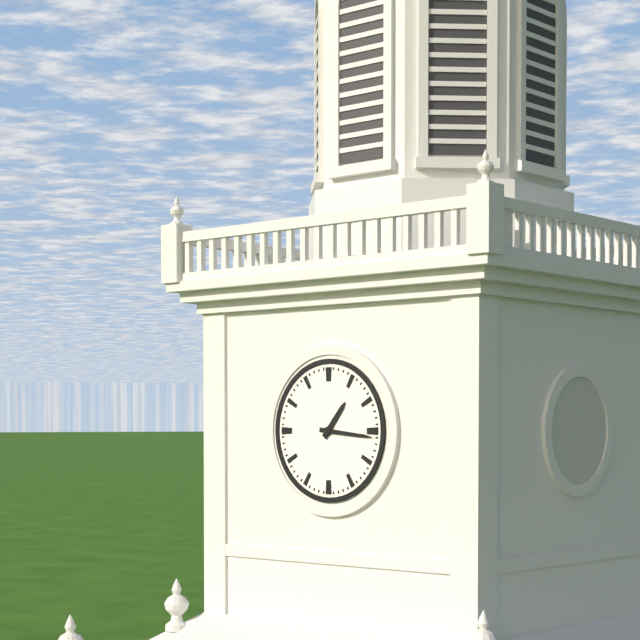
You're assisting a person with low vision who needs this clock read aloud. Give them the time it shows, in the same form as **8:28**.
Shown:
**1:16**
